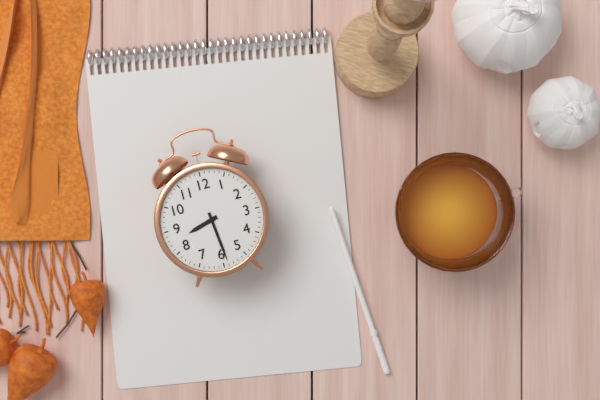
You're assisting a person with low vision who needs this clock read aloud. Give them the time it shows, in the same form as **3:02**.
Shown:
**8:29**
